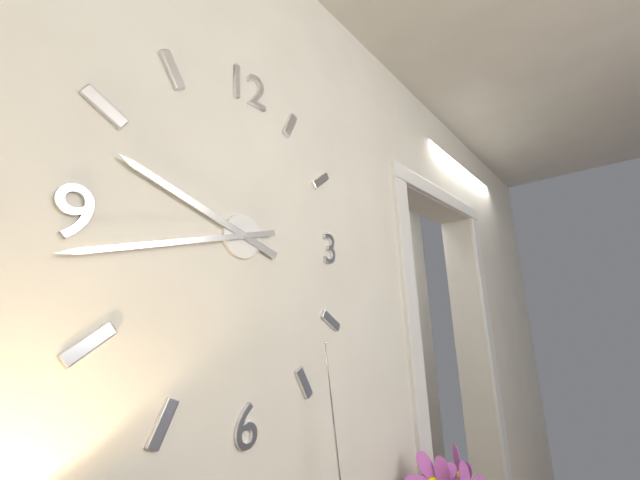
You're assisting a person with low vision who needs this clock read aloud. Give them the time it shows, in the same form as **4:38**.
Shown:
**9:43**
